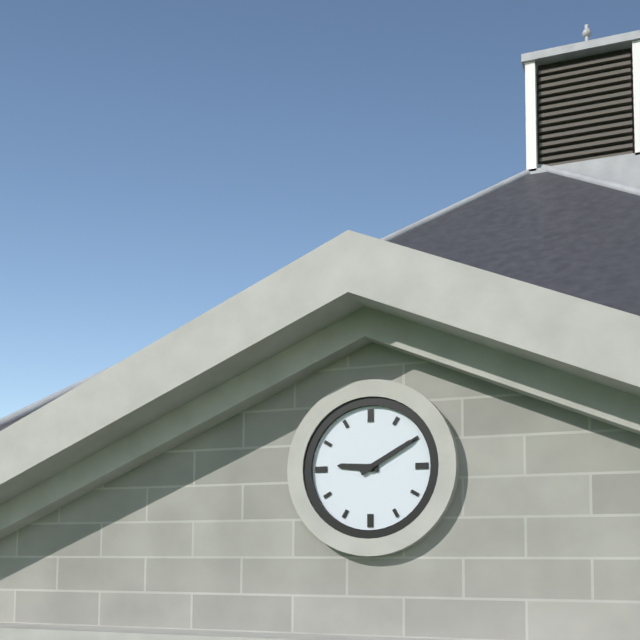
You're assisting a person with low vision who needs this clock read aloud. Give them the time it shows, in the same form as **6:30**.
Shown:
**9:10**
